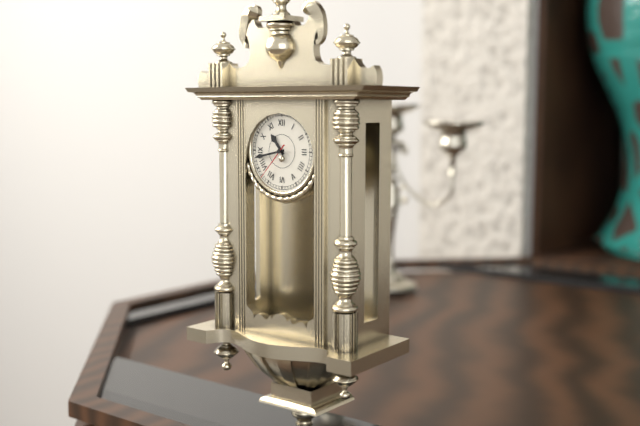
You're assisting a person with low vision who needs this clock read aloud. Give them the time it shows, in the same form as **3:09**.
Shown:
**10:43**
